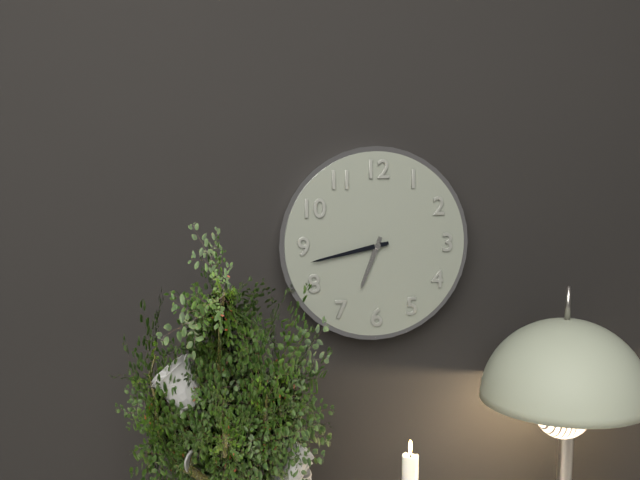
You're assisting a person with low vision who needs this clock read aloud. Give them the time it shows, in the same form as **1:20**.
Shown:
**6:43**
